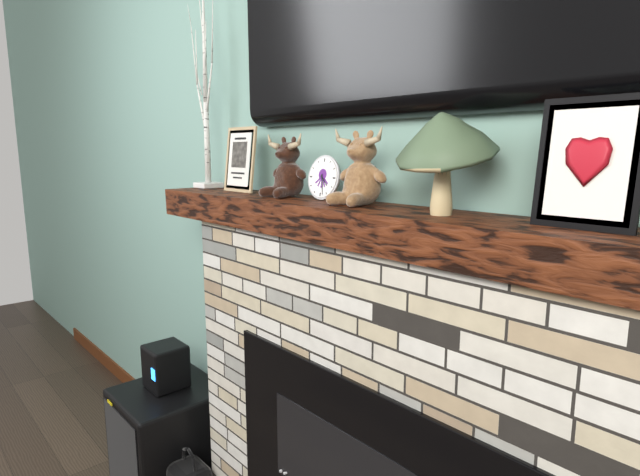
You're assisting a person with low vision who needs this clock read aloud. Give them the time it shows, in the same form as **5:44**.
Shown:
**4:28**
